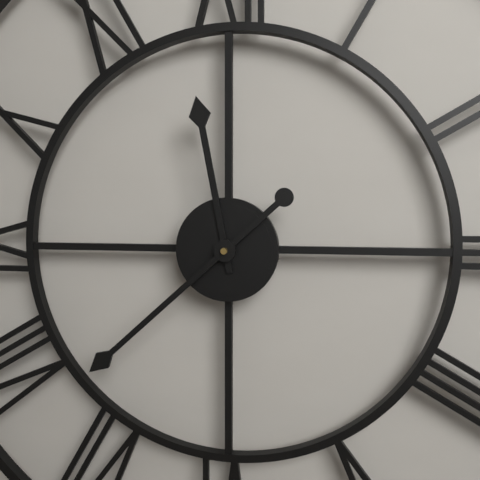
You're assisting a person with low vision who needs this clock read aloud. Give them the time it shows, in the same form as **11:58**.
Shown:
**11:38**
